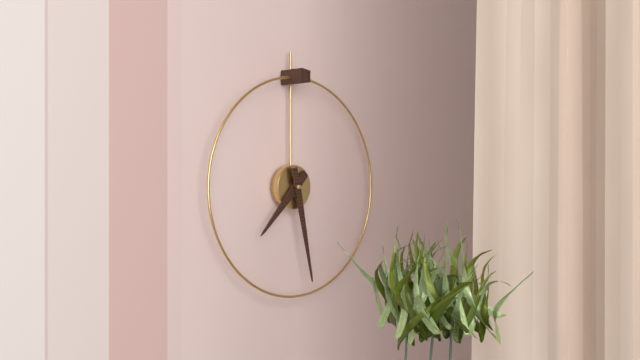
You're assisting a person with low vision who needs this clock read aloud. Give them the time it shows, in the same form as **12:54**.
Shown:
**7:28**
